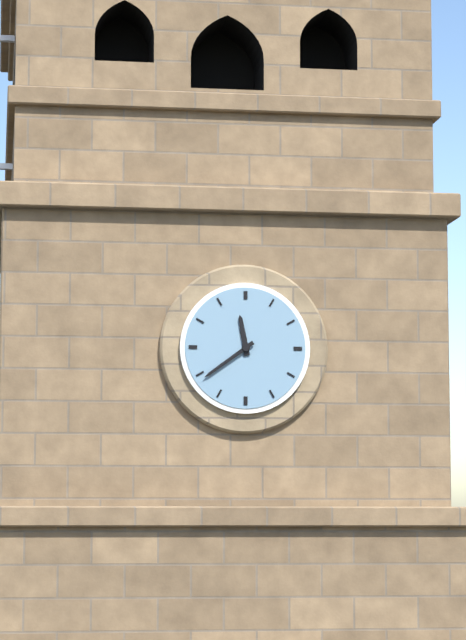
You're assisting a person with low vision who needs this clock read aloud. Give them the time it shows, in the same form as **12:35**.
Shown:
**11:39**
